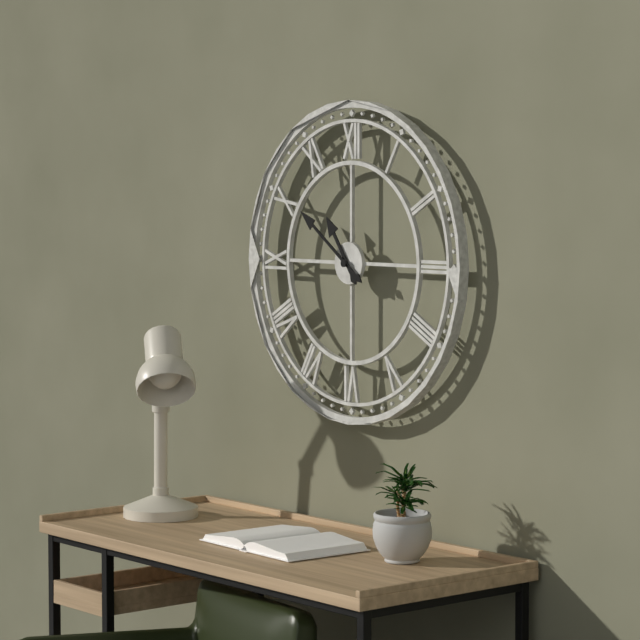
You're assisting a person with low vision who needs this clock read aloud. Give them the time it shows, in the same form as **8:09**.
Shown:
**10:51**
